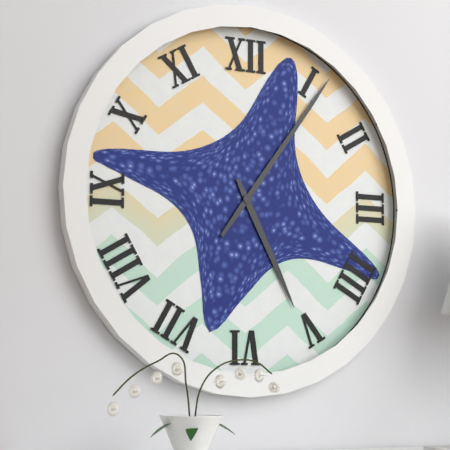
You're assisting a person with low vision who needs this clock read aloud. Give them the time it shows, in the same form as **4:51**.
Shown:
**5:06**
